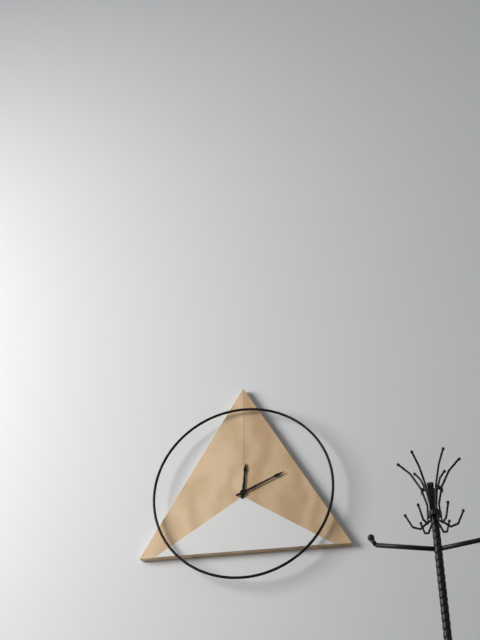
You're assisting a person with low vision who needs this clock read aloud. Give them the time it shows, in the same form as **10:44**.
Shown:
**12:11**
